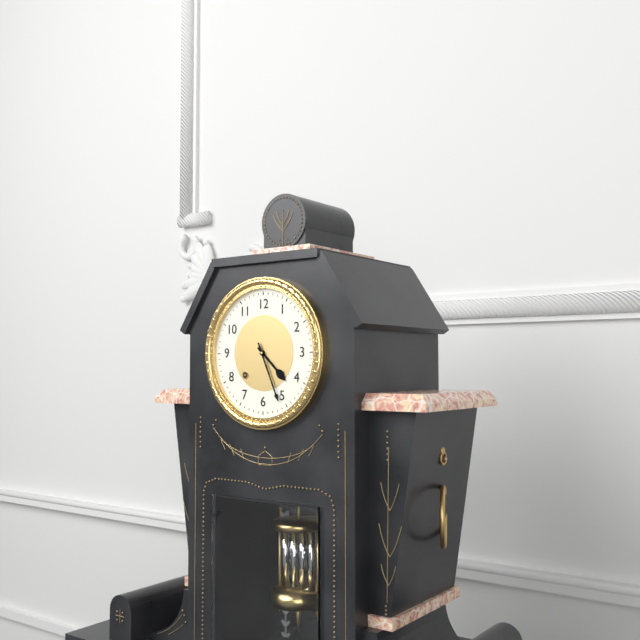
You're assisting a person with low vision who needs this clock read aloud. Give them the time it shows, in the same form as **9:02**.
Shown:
**4:26**
